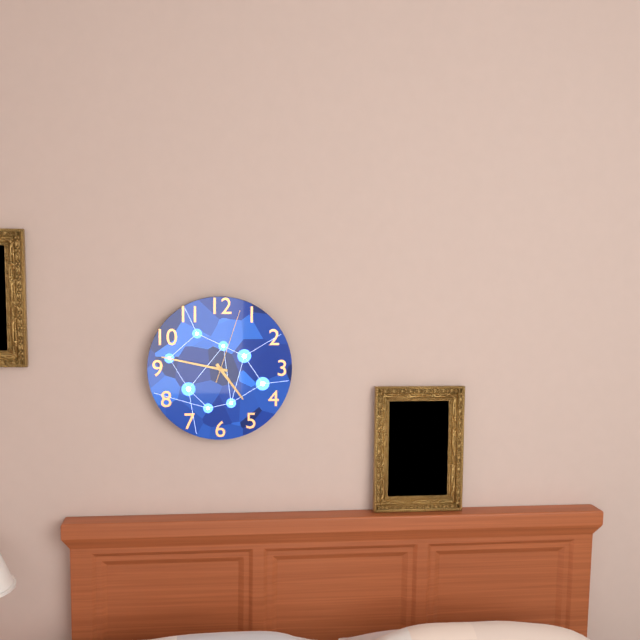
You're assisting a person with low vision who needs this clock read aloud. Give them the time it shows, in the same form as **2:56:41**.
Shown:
**4:47:03**
